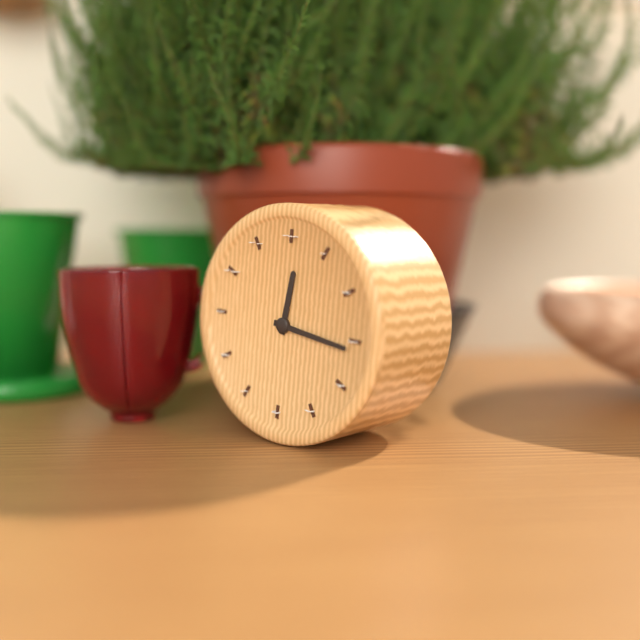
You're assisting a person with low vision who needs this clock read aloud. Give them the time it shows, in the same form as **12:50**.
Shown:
**12:16**
